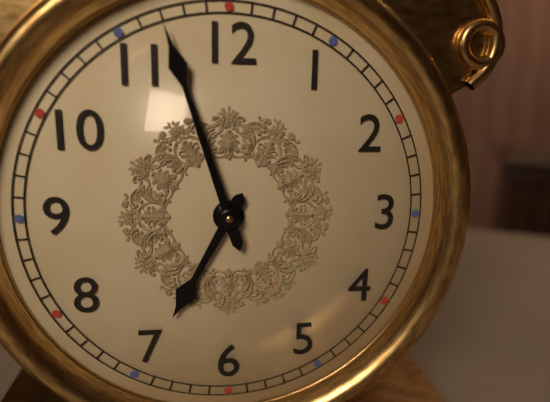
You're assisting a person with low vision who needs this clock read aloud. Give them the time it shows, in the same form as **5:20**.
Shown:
**6:57**
